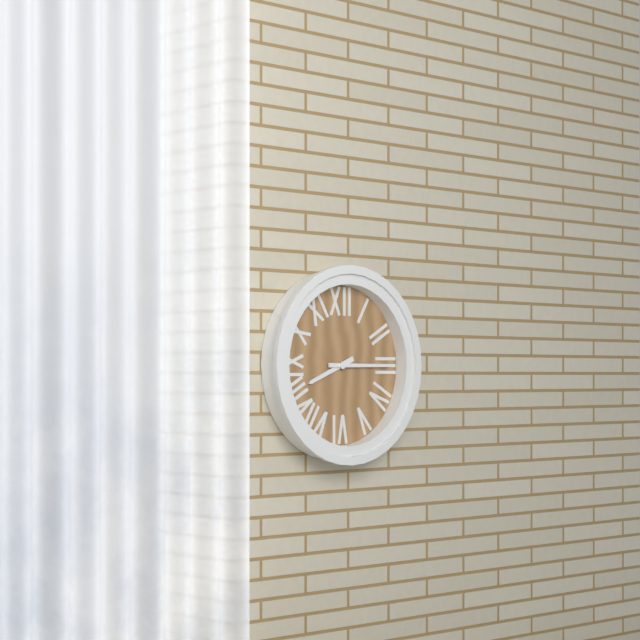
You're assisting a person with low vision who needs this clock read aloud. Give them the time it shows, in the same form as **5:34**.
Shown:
**8:15**
